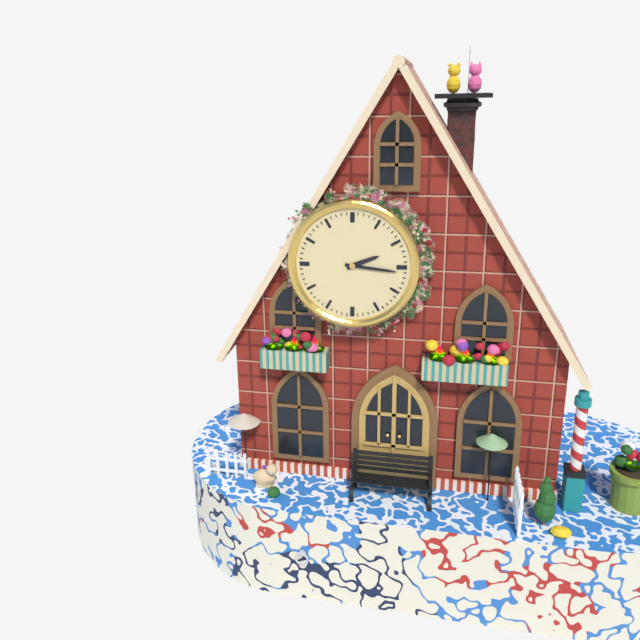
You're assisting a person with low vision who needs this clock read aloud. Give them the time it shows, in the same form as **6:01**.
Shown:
**2:16**
